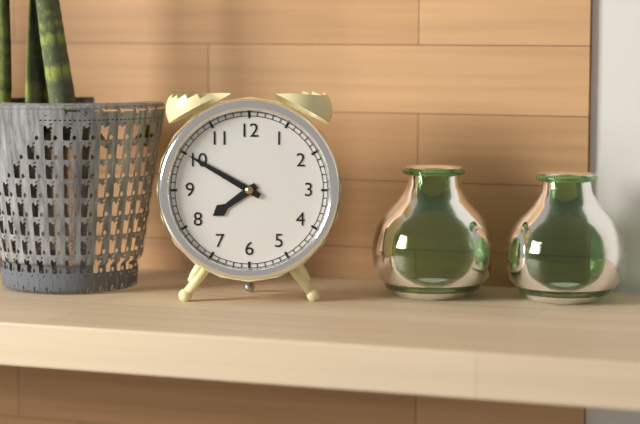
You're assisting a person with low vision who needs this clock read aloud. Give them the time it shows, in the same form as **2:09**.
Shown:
**7:50**
